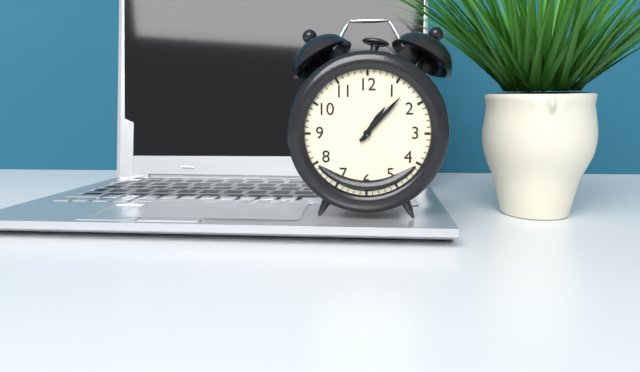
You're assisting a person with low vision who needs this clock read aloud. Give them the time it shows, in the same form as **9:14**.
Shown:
**1:07**
